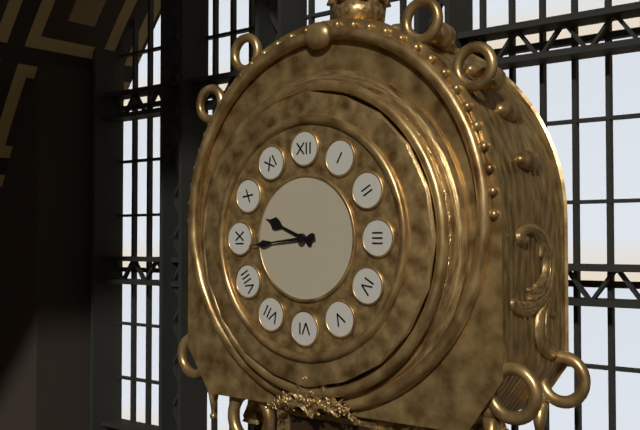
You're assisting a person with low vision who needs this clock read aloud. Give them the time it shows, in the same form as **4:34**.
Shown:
**9:44**
